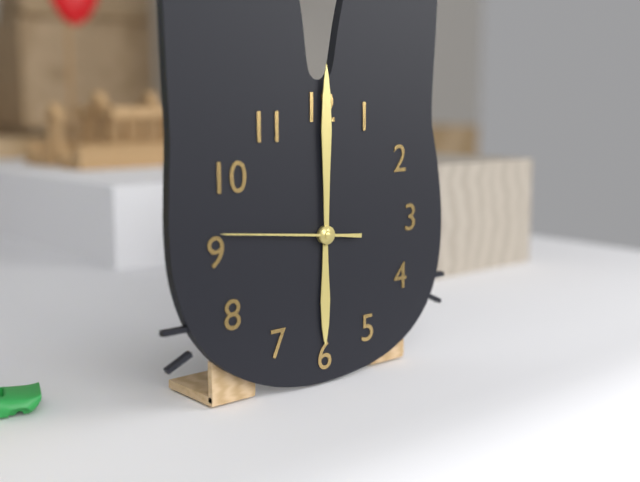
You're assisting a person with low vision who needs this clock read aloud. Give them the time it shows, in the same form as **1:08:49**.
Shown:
**6:00:46**
